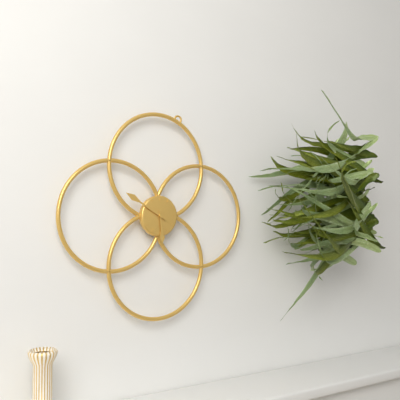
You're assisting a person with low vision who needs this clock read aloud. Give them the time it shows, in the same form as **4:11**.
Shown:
**5:50**
